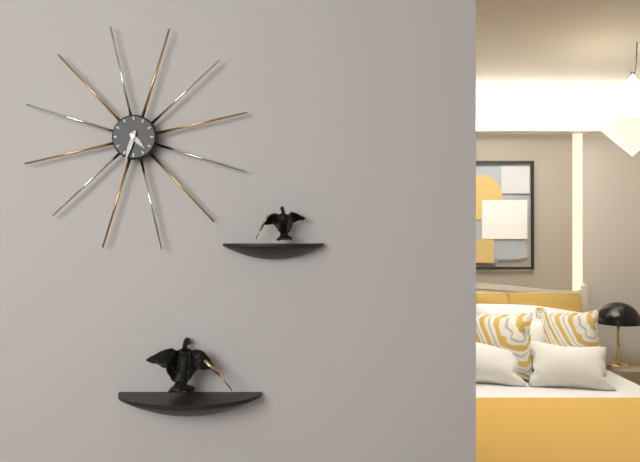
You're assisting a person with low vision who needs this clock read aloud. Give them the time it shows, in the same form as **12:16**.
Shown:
**4:33**
